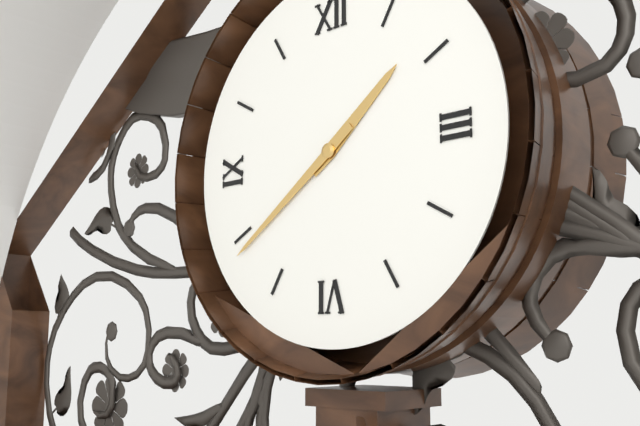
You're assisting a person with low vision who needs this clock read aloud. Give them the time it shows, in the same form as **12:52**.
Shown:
**1:39**
